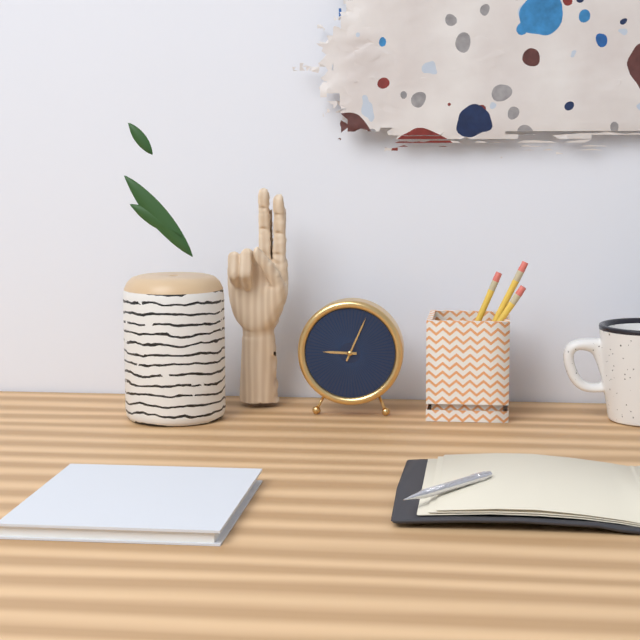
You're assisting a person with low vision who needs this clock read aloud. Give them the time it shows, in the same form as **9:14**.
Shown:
**9:04**
